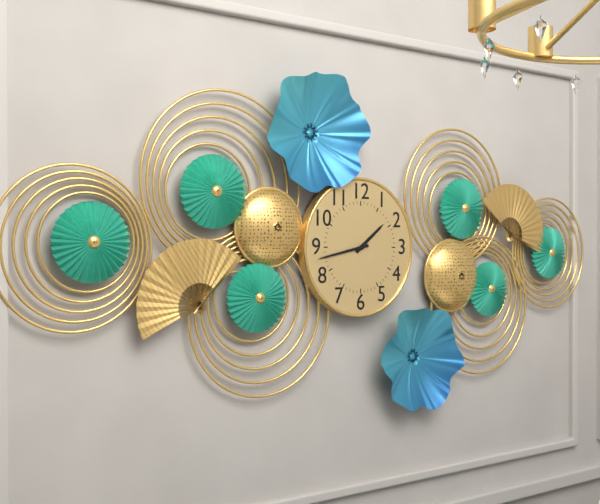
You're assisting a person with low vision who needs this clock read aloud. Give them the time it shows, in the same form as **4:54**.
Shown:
**1:43**
